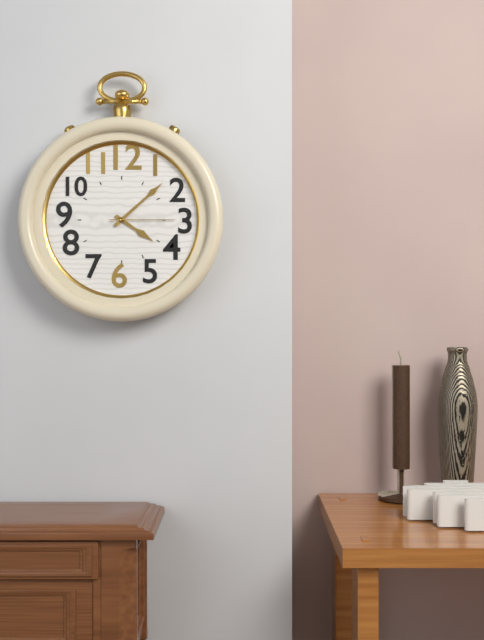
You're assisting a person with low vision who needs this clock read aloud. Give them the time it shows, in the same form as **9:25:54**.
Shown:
**4:08:15**
